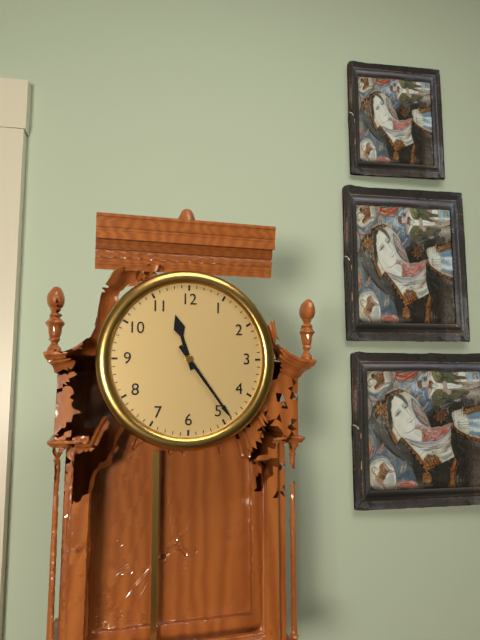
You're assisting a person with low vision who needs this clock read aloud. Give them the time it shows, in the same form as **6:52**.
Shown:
**11:24**
